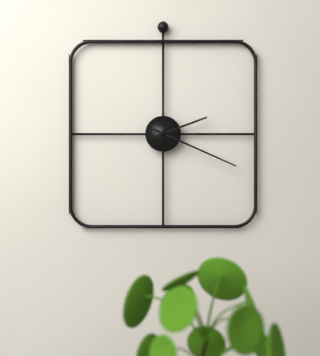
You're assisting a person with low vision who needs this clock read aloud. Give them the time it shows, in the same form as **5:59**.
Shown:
**2:19**
